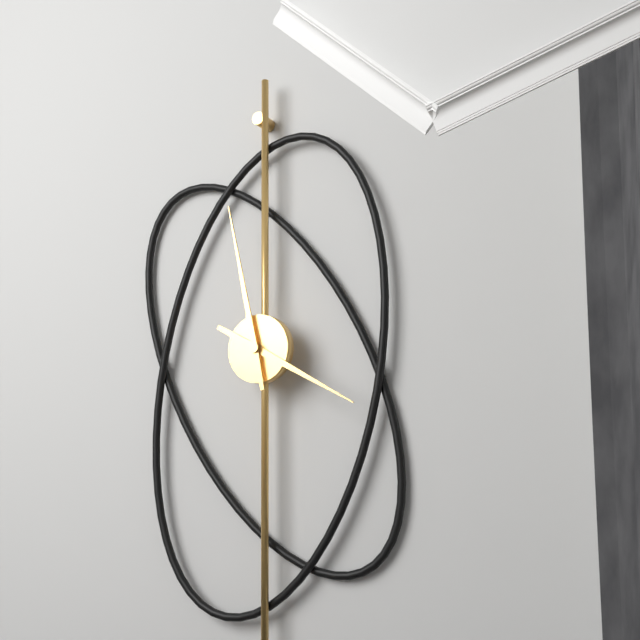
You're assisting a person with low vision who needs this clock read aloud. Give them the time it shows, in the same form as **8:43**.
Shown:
**3:58**
